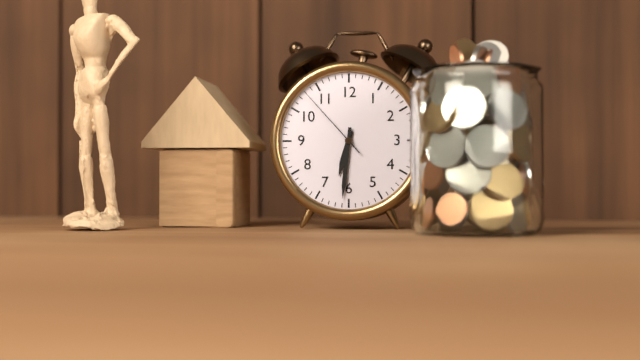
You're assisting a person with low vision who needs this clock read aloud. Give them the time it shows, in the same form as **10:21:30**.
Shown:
**6:31:53**
